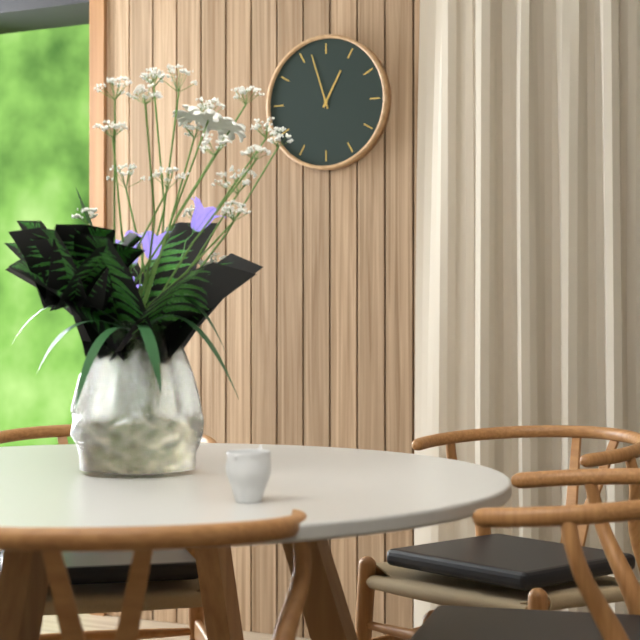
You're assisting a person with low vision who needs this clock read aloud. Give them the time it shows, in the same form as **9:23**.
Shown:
**12:57**
